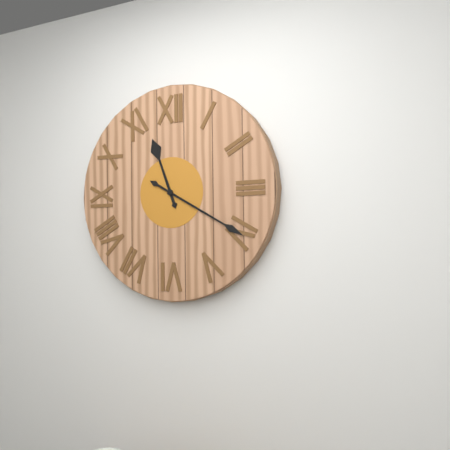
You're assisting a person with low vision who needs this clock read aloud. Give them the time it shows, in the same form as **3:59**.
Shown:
**11:20**
